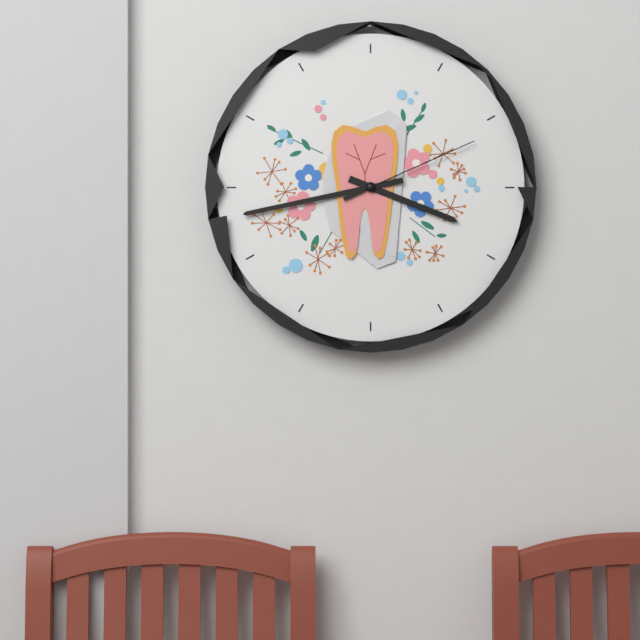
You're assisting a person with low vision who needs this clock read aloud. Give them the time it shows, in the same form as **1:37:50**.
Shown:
**3:43:11**
